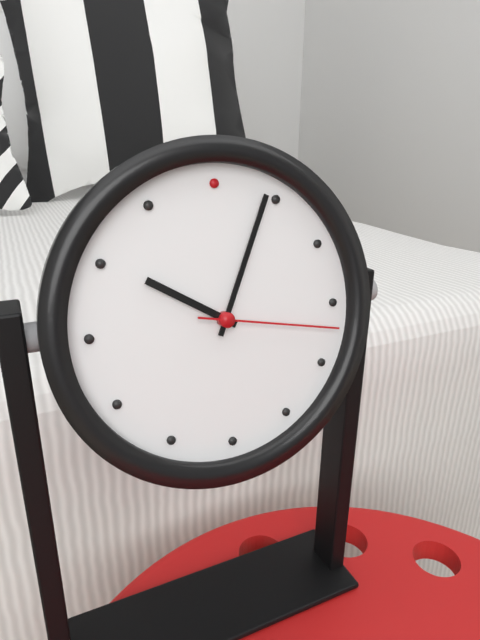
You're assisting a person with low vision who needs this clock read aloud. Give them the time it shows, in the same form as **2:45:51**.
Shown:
**10:04:17**
